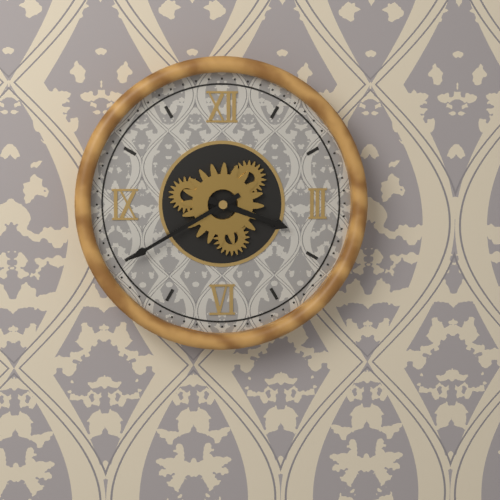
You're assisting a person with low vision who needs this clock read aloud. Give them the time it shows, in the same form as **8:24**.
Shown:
**3:40**
